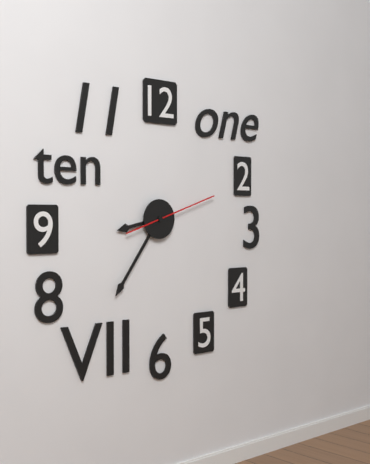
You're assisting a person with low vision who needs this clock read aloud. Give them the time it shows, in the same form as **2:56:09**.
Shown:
**8:36:12**
